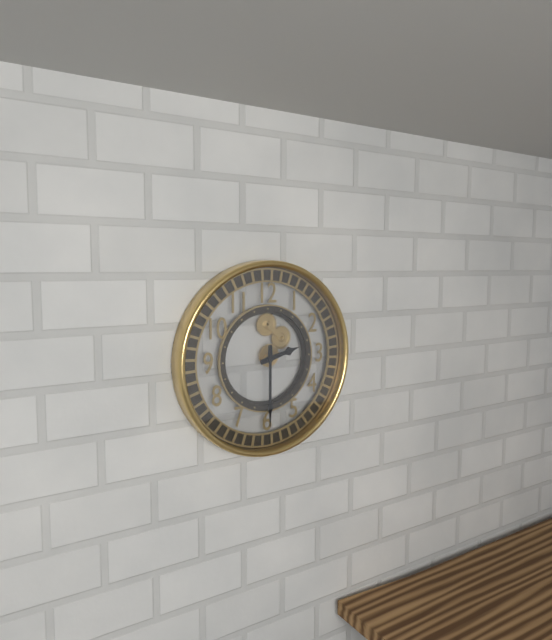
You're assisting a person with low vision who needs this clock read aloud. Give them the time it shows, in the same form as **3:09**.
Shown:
**2:30**
